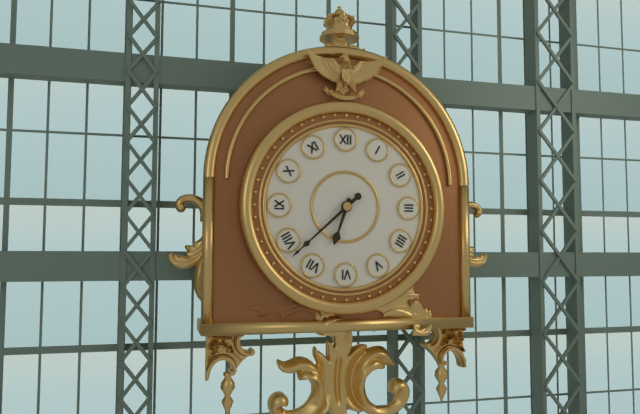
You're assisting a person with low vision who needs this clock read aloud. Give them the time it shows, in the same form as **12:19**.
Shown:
**6:38**
